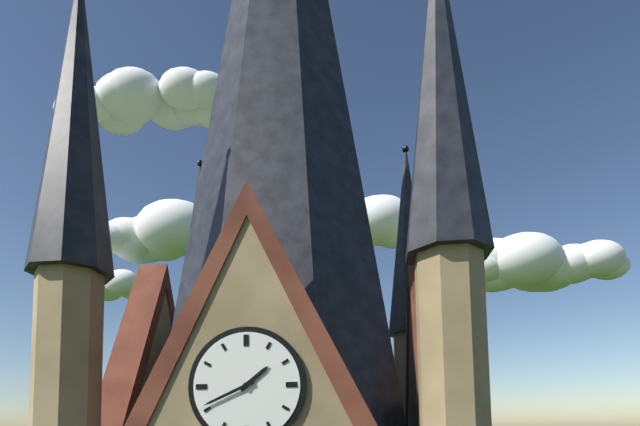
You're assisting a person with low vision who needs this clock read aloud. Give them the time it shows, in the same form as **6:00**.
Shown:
**1:41**
